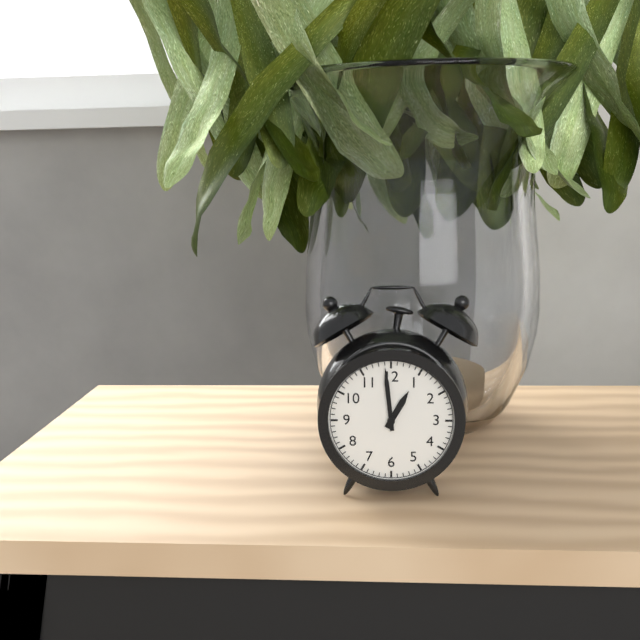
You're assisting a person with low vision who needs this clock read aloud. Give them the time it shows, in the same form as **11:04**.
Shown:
**12:59**
